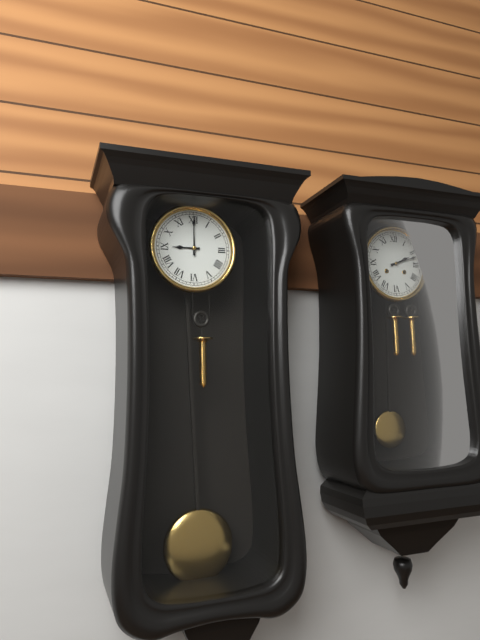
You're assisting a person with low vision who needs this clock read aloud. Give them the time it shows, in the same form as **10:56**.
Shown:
**9:00**
